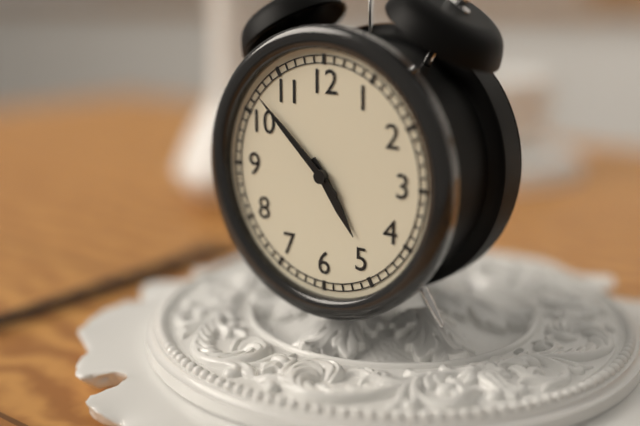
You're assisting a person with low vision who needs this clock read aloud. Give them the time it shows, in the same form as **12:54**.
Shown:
**4:52**
